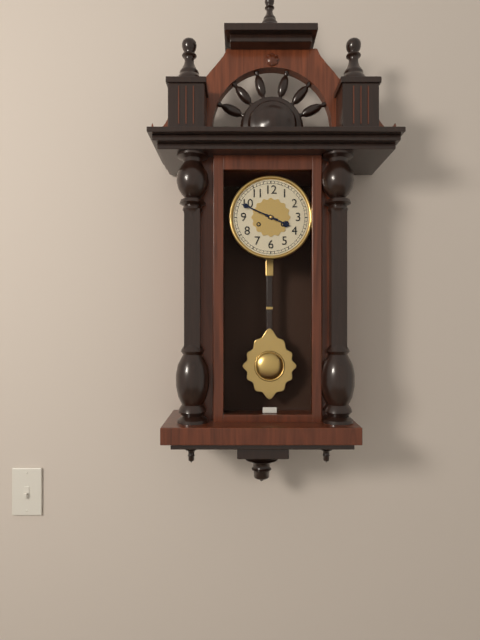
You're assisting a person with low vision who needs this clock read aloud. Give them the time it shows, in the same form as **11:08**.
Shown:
**3:49**
